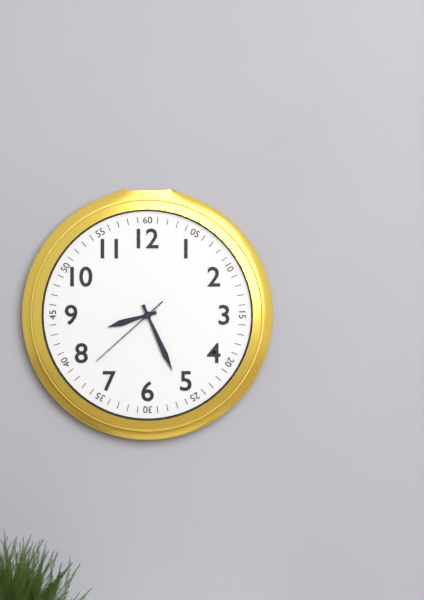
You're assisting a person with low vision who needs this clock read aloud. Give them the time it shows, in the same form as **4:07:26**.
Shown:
**8:26:38**
